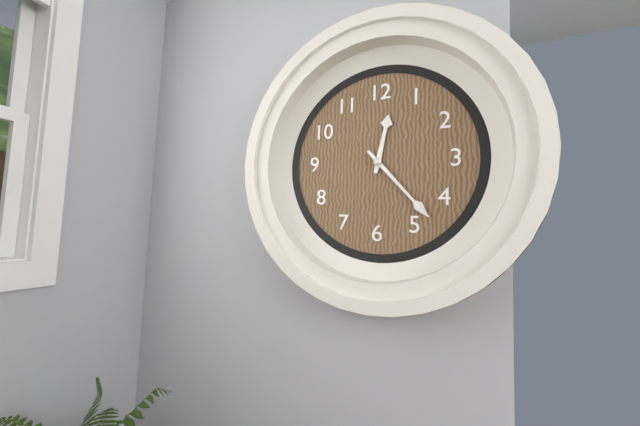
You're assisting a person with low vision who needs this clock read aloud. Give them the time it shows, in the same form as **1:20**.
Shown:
**12:23**
